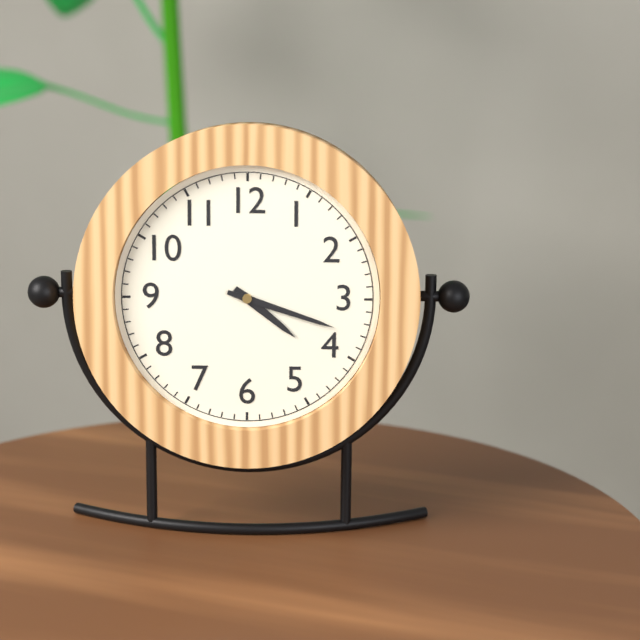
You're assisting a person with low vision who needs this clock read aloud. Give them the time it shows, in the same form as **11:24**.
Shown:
**4:18**
